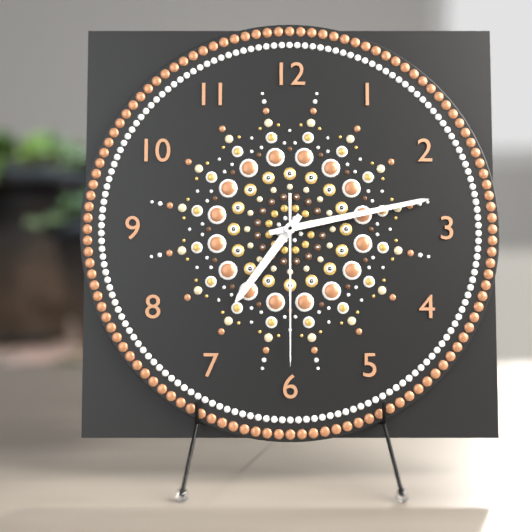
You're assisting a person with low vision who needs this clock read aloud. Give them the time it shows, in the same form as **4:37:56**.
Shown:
**7:13:30**
